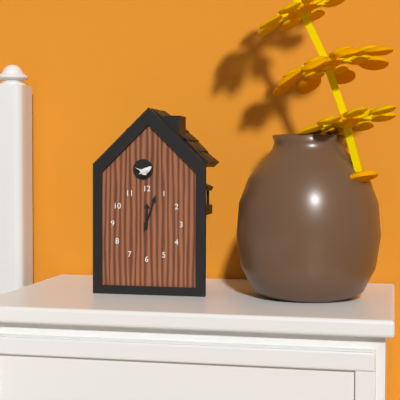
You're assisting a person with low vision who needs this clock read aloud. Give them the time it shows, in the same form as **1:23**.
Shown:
**12:03**
